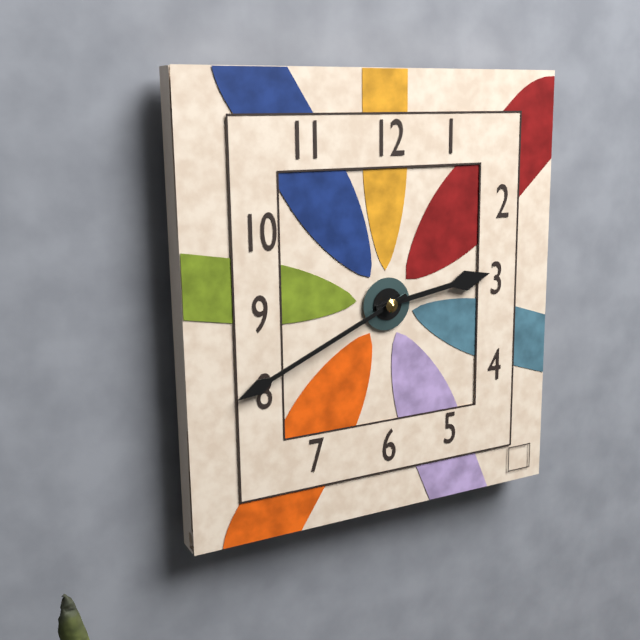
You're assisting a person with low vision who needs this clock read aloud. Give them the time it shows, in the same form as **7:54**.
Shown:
**2:41**
